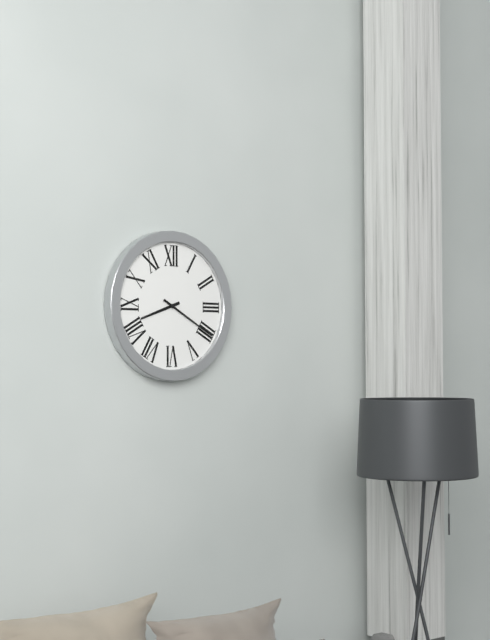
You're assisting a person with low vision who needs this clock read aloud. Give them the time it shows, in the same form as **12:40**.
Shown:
**8:20**
